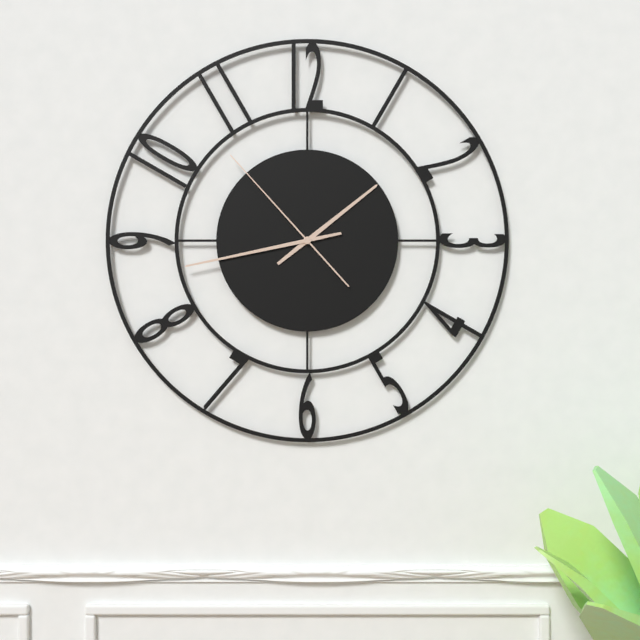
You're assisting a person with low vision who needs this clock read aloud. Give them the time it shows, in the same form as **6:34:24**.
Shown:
**1:43:53**
